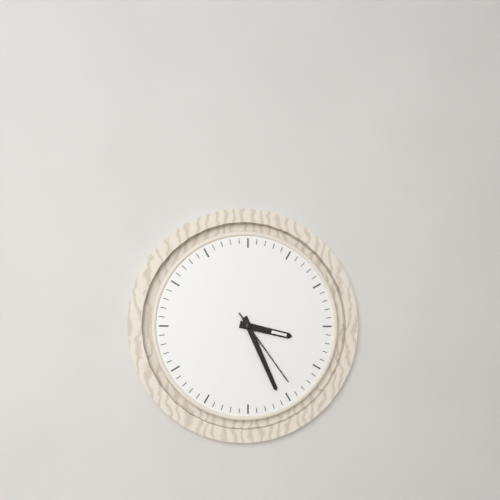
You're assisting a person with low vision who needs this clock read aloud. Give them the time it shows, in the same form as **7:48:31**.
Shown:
**3:26:24**
